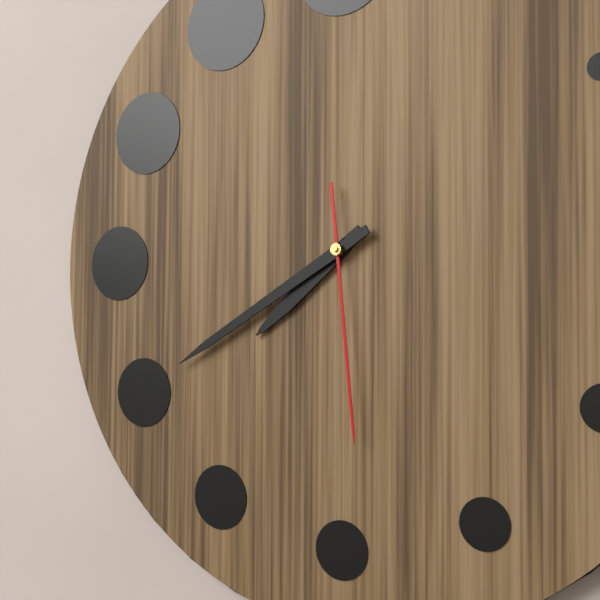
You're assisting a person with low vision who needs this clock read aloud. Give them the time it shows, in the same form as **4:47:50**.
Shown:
**7:40:29**
